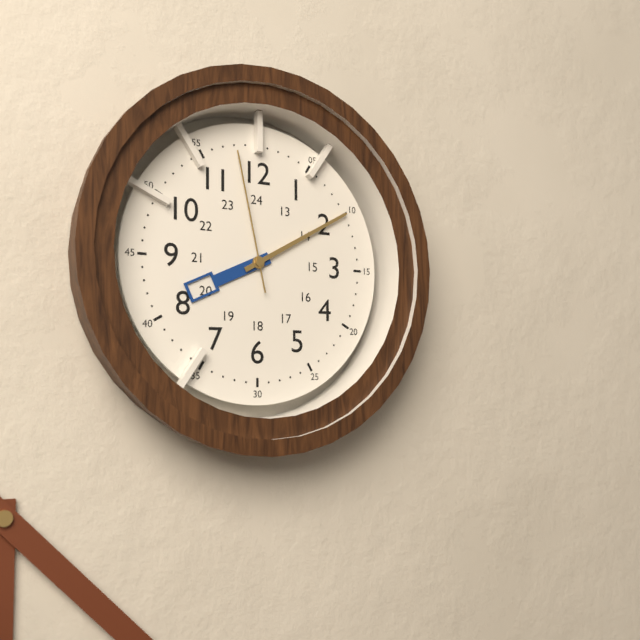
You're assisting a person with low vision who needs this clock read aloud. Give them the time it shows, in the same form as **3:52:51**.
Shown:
**8:10:58**
